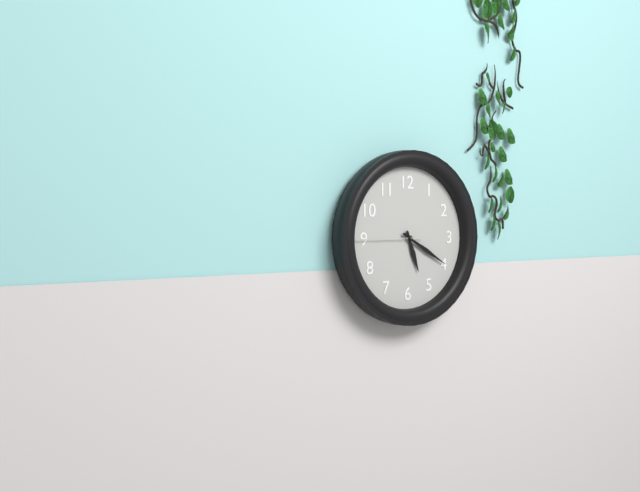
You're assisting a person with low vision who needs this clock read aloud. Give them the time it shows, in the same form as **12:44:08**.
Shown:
**5:20:45**
